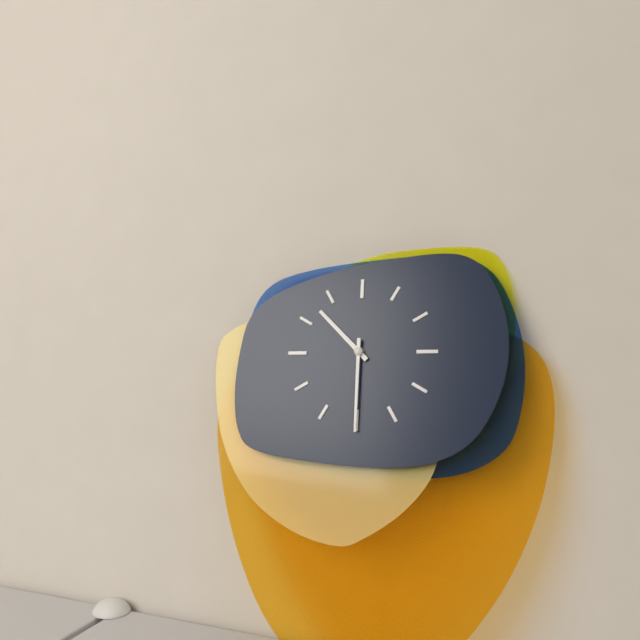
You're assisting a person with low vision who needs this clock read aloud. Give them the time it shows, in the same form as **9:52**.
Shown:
**10:30**
